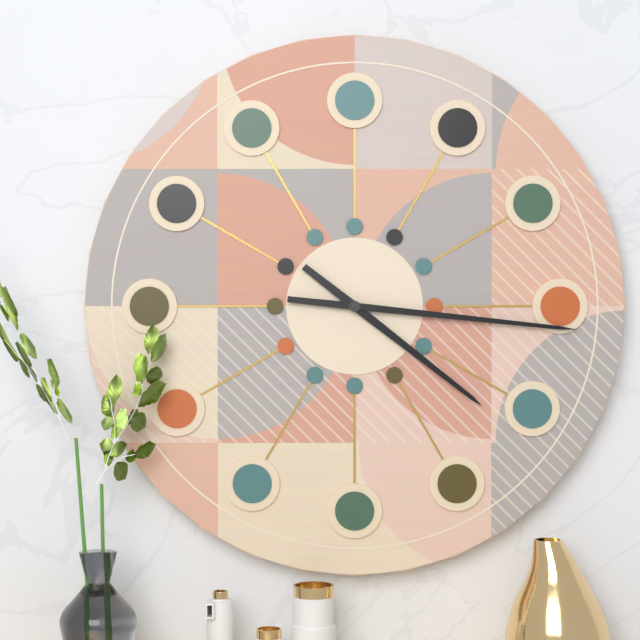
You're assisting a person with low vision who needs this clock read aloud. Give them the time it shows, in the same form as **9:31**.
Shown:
**4:16**
